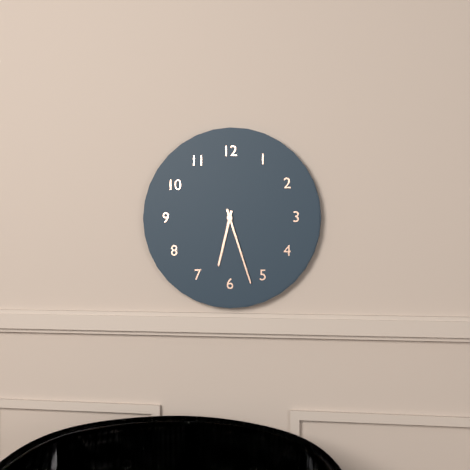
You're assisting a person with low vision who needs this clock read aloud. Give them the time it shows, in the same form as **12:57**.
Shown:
**6:27**
